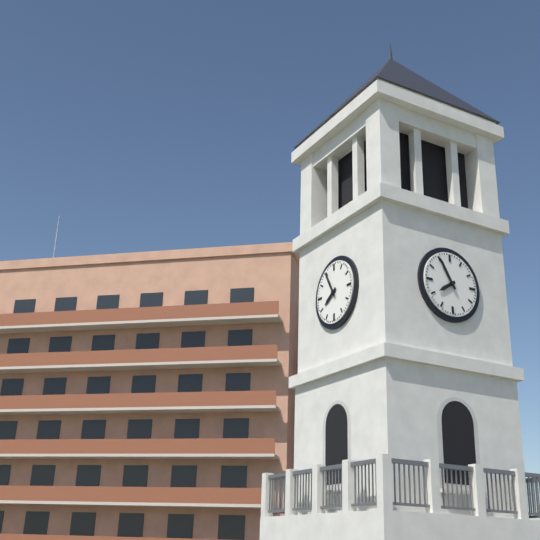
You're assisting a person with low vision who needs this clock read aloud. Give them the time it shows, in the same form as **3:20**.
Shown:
**7:55**
